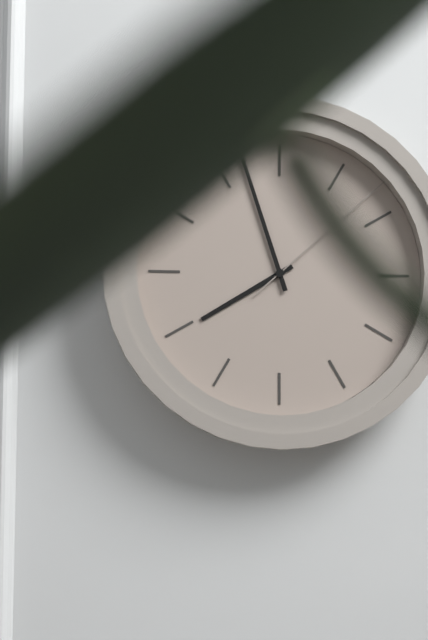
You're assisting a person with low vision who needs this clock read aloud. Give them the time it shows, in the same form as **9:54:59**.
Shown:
**7:57:08**
